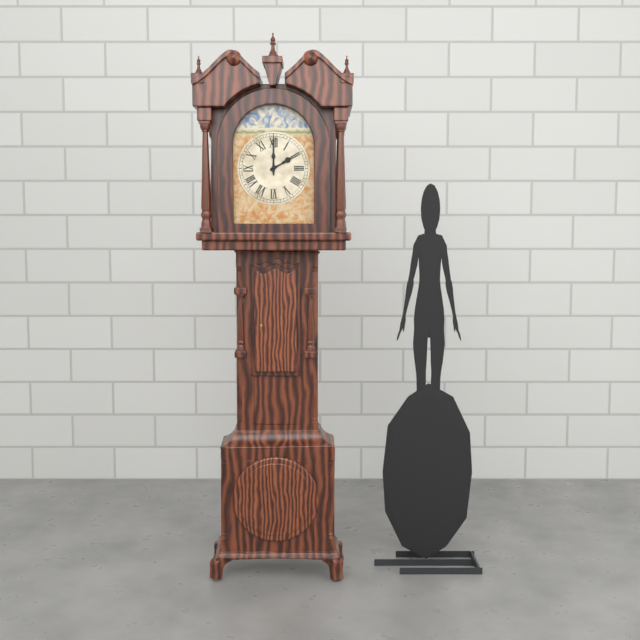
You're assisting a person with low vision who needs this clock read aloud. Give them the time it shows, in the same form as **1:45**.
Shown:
**2:00**
